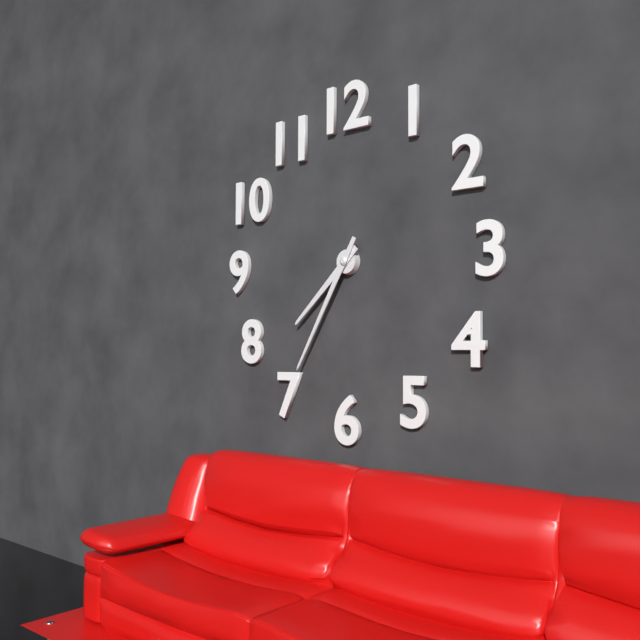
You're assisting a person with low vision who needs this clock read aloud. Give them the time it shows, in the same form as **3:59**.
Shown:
**7:35**
